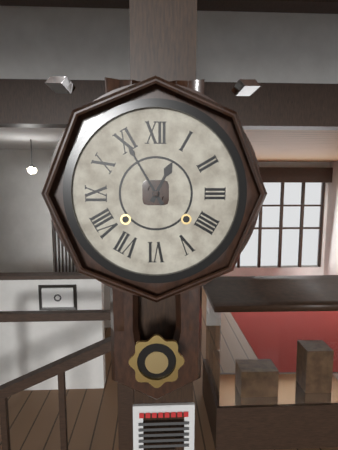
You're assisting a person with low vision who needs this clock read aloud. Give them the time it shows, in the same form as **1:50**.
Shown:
**12:55**
